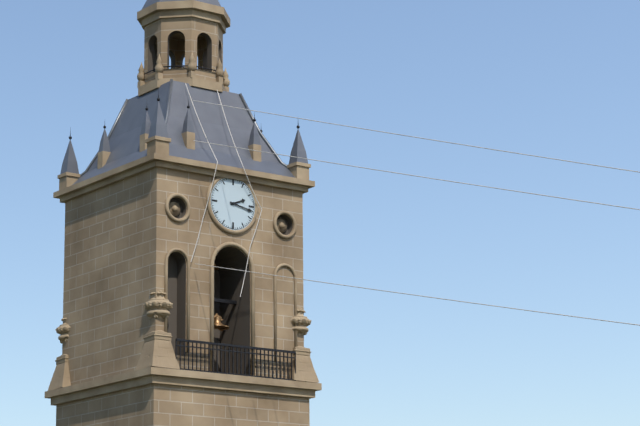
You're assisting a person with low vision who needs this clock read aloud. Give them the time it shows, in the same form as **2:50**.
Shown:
**2:17**
